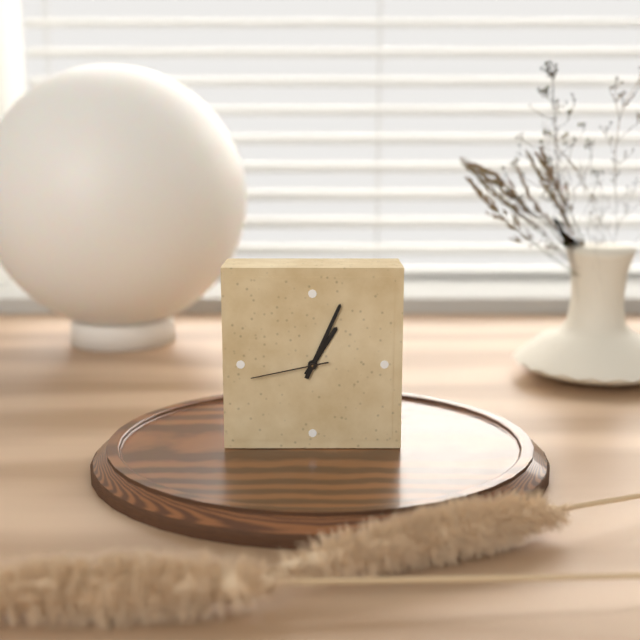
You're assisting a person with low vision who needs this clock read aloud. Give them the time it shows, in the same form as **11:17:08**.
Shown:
**1:04:43**
